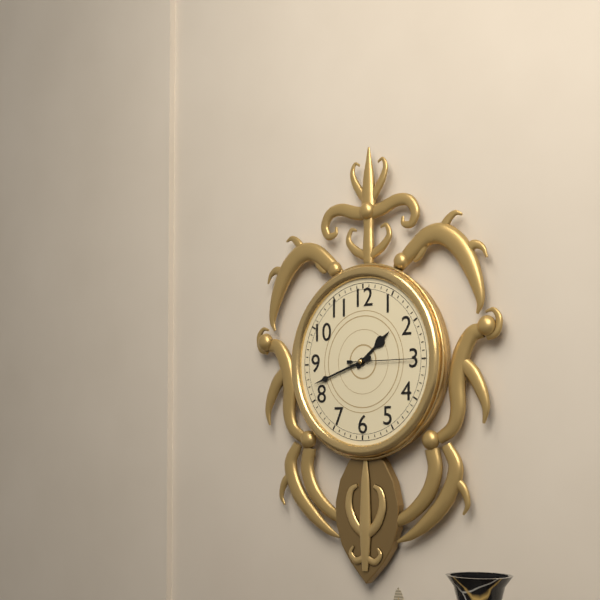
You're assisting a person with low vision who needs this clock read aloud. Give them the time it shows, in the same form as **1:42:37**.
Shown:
**1:42:15**
